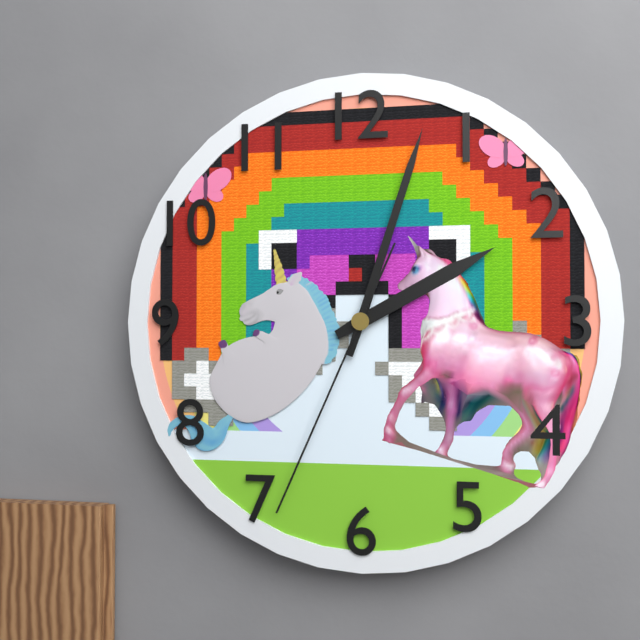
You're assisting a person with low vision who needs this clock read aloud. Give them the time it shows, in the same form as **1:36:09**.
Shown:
**2:03:34**
